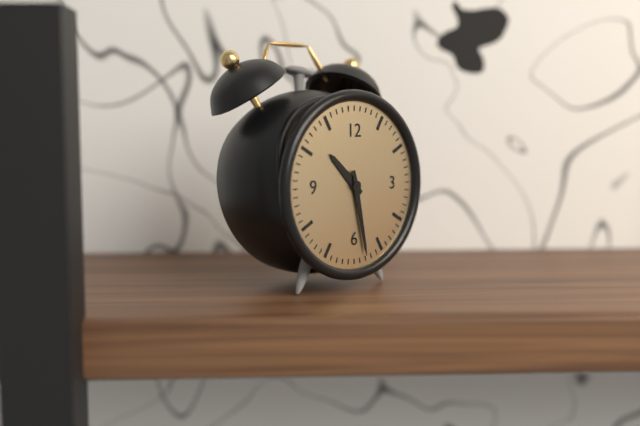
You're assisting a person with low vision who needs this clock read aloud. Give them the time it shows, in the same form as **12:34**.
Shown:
**10:28**
